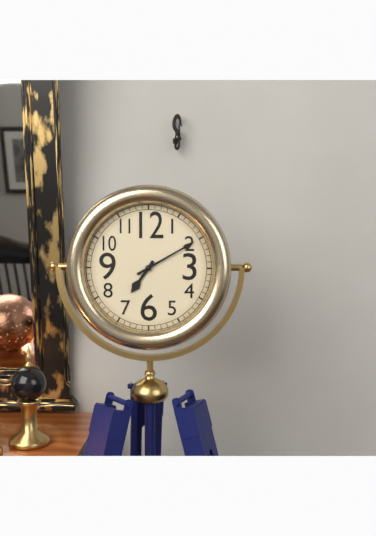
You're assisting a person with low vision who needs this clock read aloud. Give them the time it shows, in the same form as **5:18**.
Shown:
**7:10**
